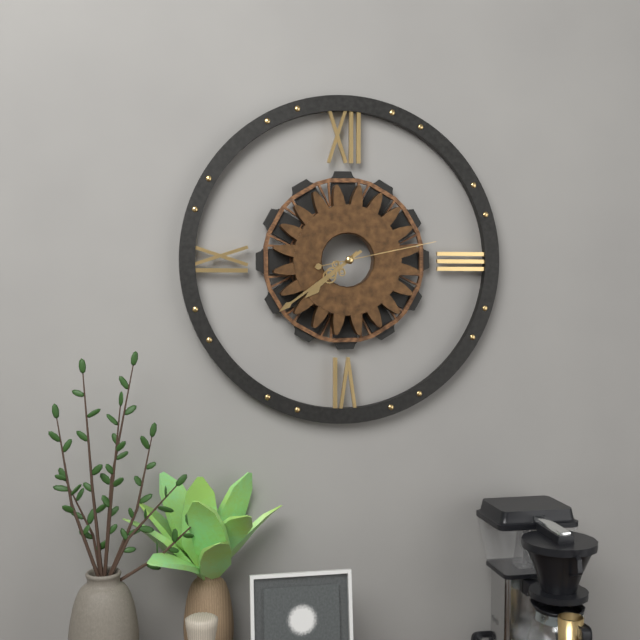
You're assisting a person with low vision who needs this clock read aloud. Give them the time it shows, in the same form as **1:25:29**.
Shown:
**7:39:13**
